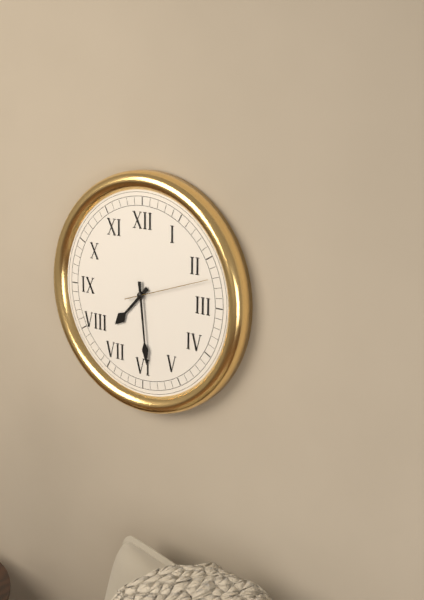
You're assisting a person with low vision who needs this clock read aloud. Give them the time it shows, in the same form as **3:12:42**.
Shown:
**7:29:12**
